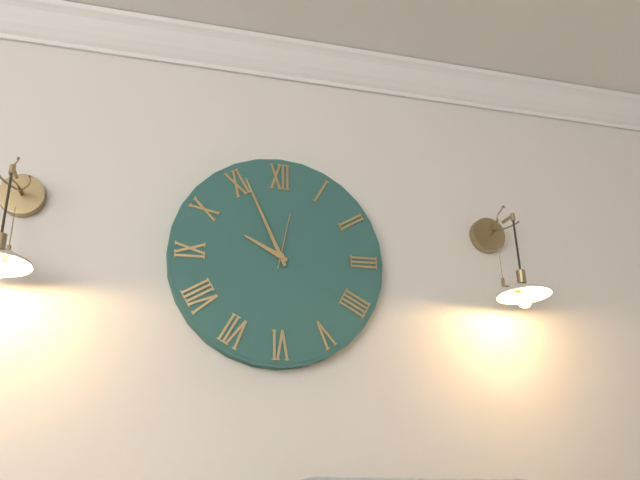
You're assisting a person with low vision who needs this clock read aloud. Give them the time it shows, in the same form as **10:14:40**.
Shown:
**9:56:02**
